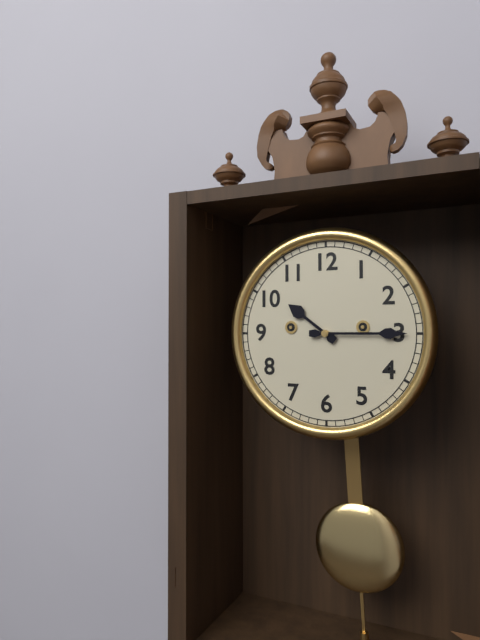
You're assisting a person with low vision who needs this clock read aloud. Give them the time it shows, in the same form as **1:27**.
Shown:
**10:15**
